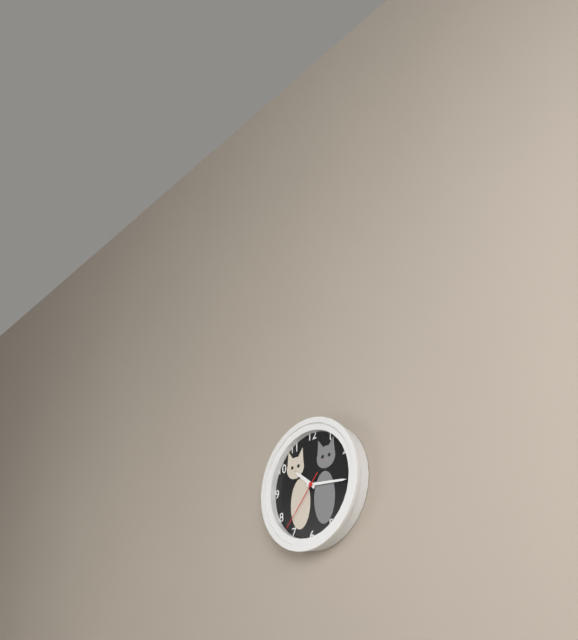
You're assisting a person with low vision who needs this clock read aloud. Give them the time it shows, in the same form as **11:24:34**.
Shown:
**10:16:37**
